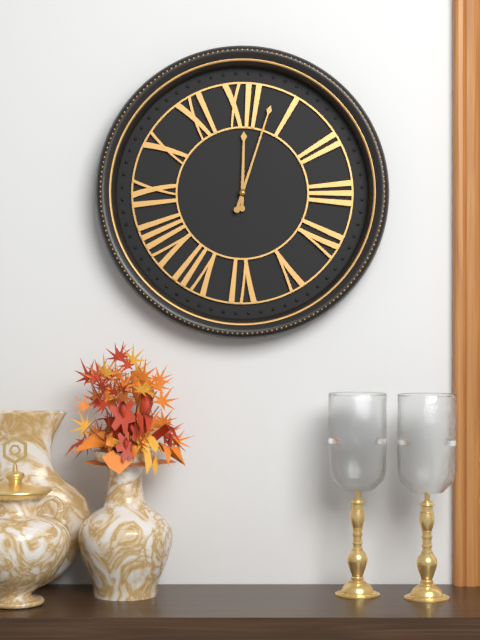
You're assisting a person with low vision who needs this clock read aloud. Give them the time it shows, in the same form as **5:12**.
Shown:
**12:03**
